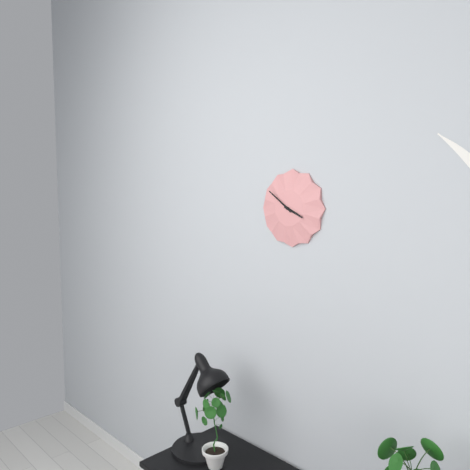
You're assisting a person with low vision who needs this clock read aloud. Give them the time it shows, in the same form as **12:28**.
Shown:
**3:51**
